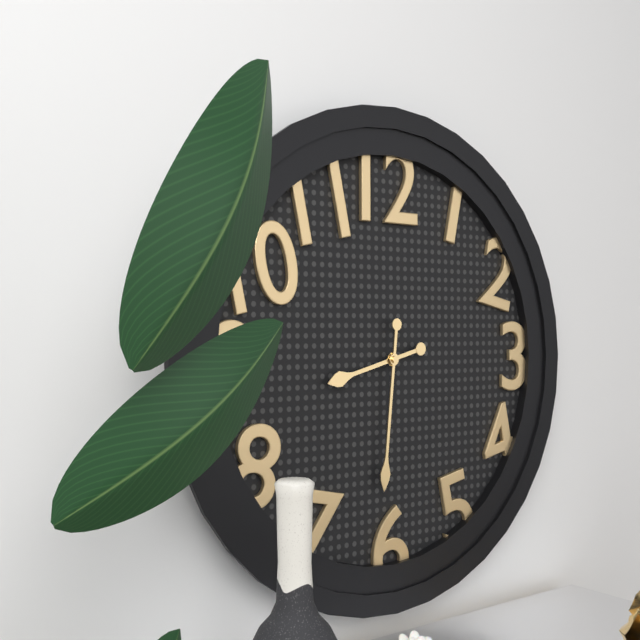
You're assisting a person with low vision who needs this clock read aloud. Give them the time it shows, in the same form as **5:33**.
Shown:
**8:31**
